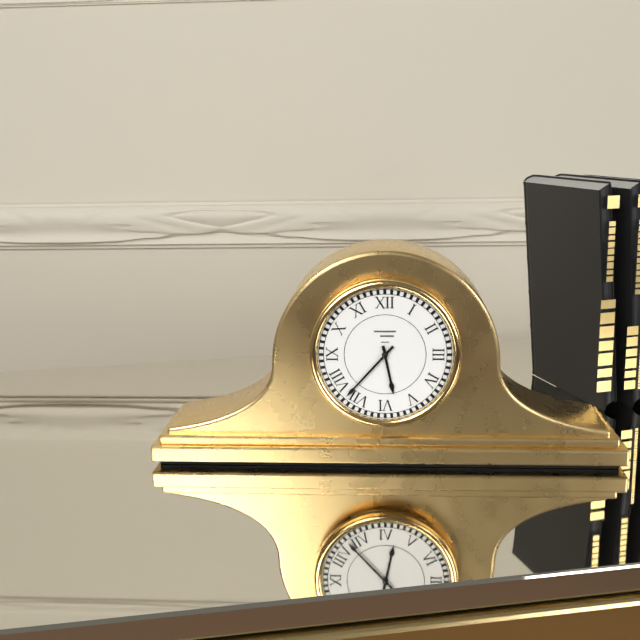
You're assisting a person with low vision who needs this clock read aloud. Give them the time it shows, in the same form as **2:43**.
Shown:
**5:37**
